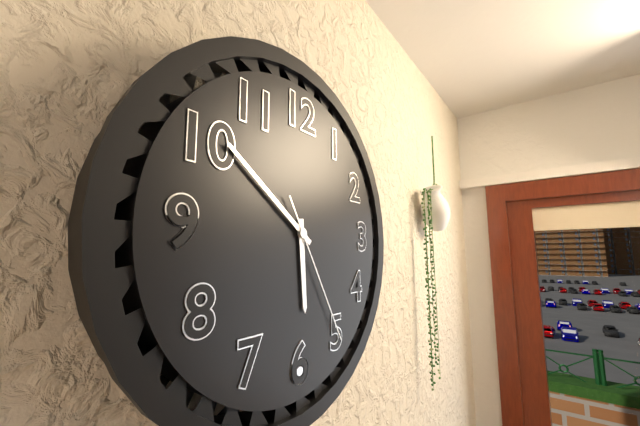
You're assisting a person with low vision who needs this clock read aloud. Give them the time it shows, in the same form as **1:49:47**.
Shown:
**5:51:25**
